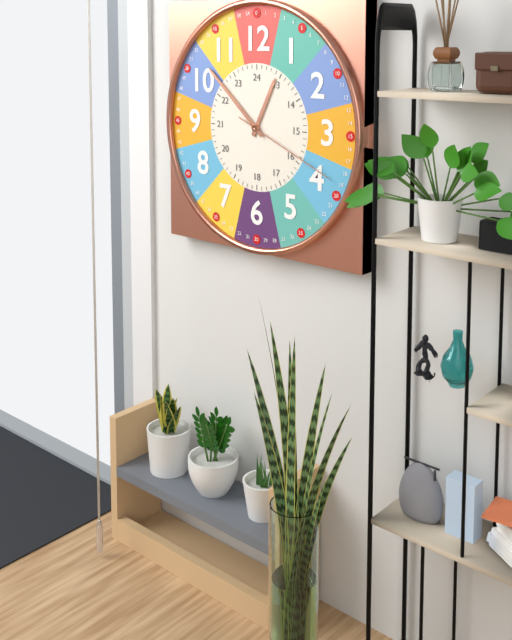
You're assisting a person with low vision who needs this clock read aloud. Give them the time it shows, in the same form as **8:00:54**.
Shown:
**12:52:19**
